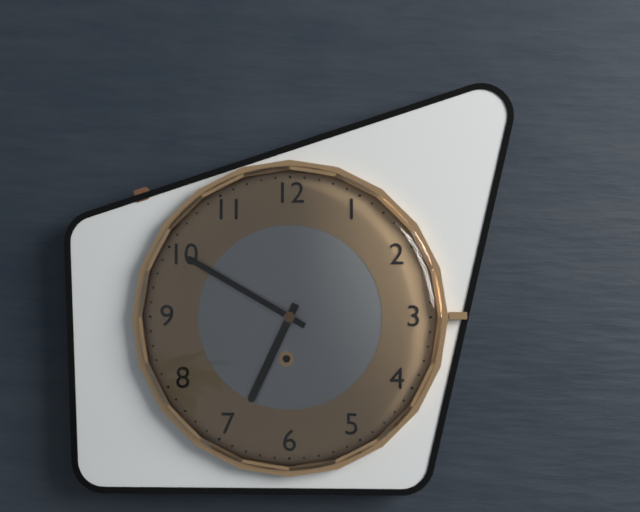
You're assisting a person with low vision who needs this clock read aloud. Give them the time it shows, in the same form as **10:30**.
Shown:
**6:50**
